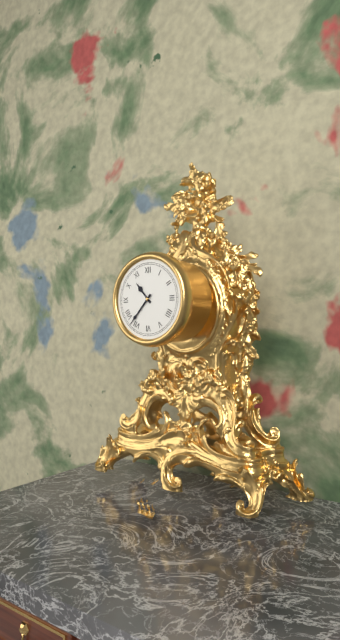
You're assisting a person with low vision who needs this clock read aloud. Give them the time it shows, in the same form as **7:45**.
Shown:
**10:37**
